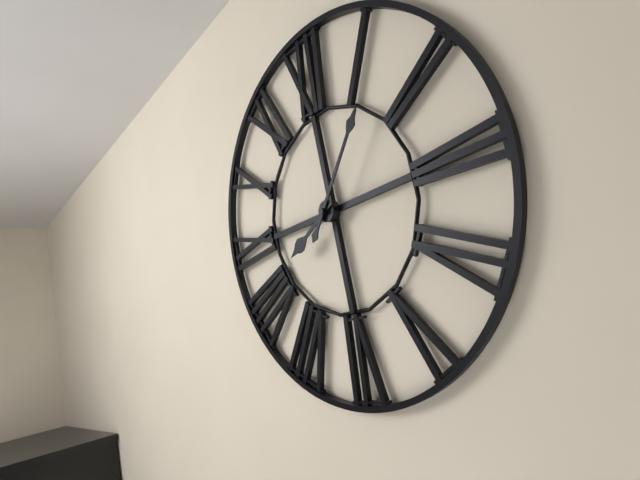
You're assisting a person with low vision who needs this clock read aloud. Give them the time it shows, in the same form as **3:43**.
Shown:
**8:07**
